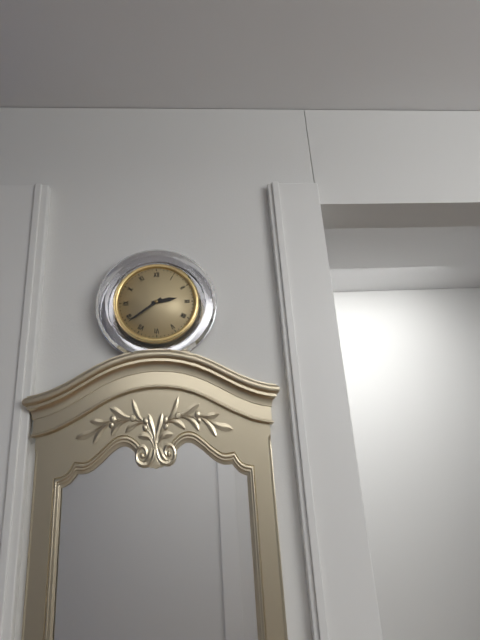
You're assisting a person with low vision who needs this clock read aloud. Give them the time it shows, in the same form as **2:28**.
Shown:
**2:39**
